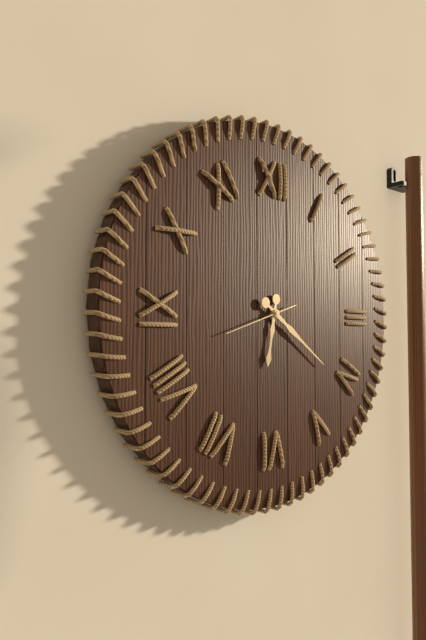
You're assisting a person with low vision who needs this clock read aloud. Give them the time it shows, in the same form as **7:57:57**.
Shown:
**6:21:42**
